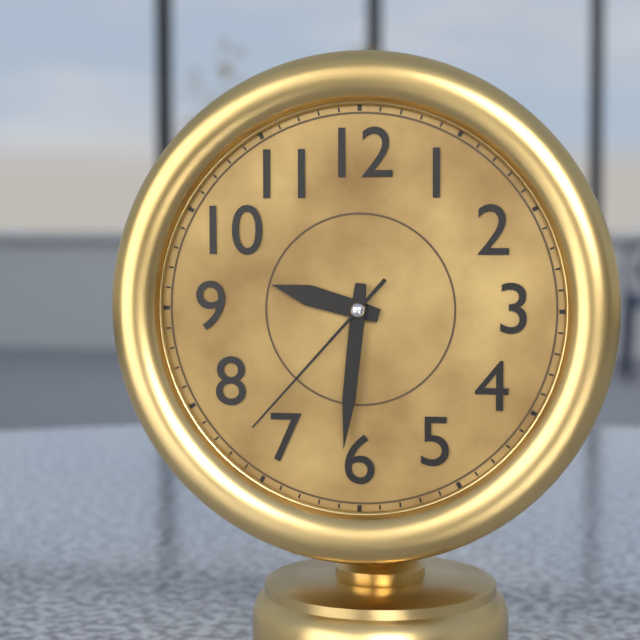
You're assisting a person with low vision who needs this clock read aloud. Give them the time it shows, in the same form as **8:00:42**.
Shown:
**9:31:37**
